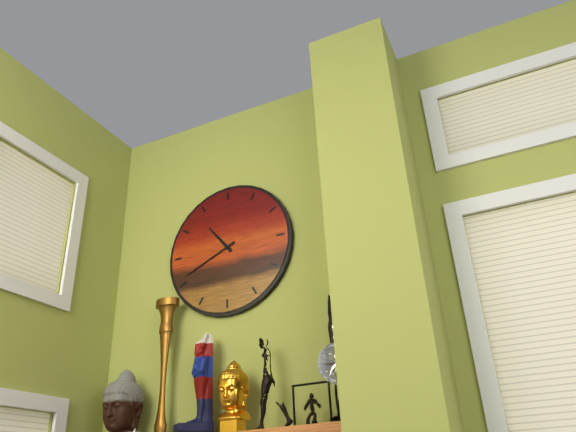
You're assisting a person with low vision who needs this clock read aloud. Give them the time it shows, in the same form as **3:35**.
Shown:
**10:41**
